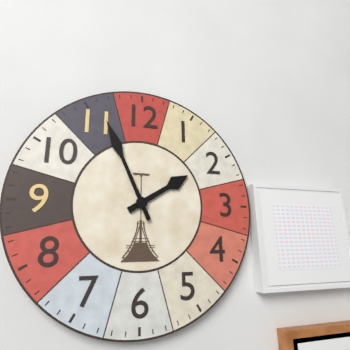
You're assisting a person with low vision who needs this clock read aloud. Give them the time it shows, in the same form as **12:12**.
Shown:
**1:56**
